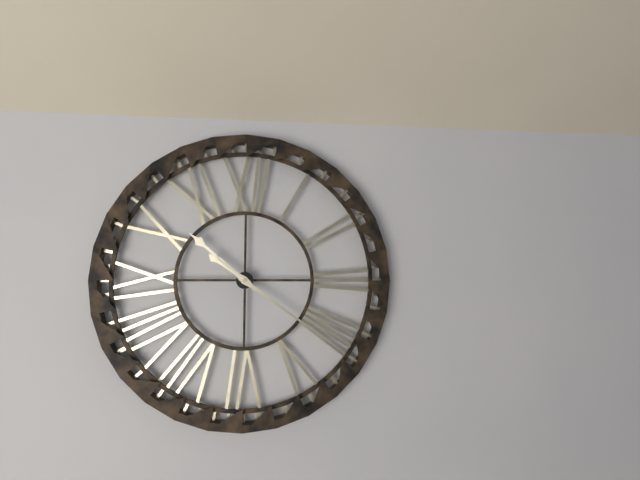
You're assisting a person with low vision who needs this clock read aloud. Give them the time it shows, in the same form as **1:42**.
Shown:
**10:21**
